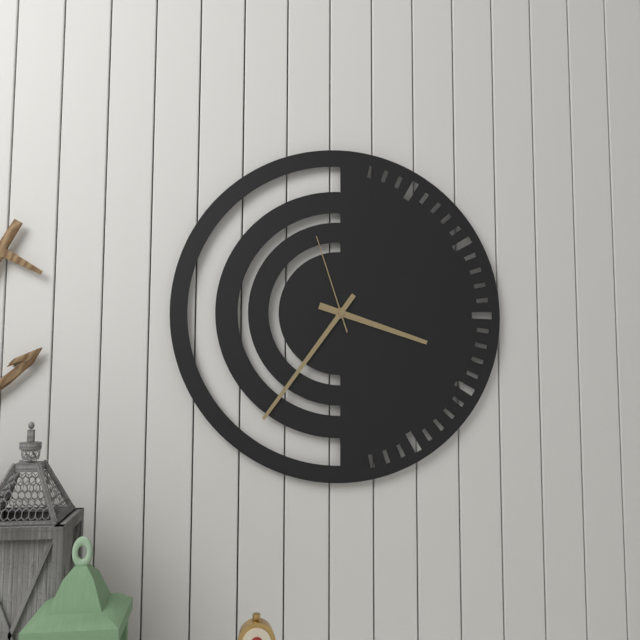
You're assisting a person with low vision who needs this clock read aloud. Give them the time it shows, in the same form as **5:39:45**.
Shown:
**3:36:57**
